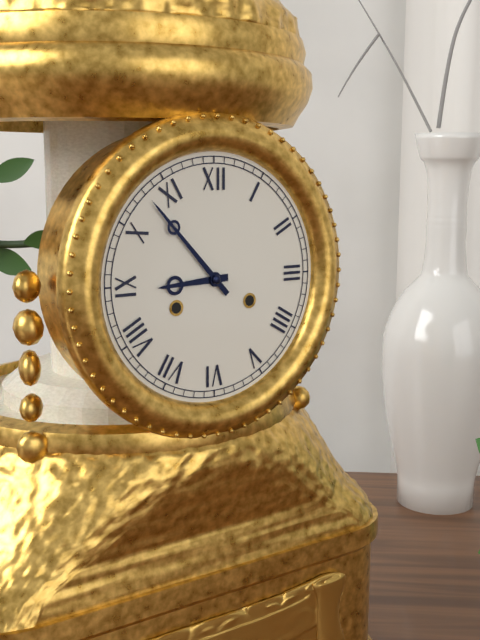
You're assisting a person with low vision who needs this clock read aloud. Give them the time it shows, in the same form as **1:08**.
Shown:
**8:53**
